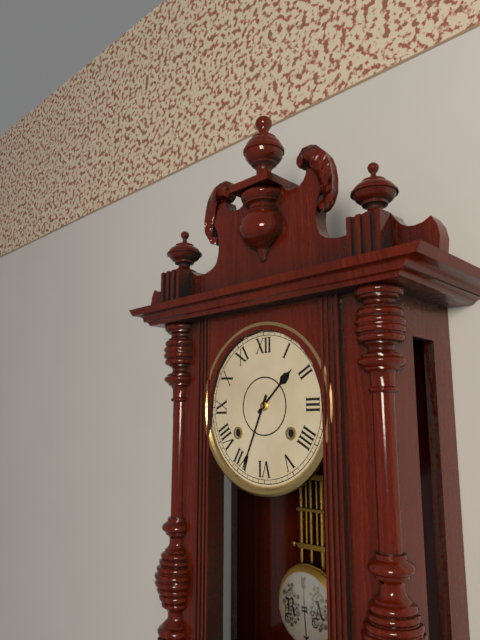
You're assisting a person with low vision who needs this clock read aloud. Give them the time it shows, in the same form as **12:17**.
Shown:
**1:34**
